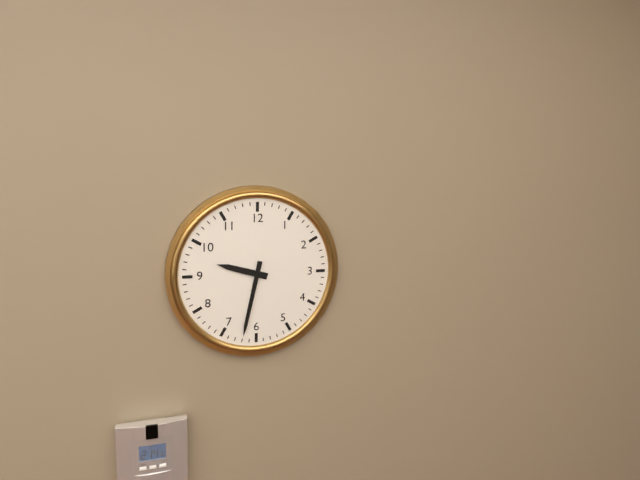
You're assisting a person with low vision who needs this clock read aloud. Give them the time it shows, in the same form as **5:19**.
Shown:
**9:32**
